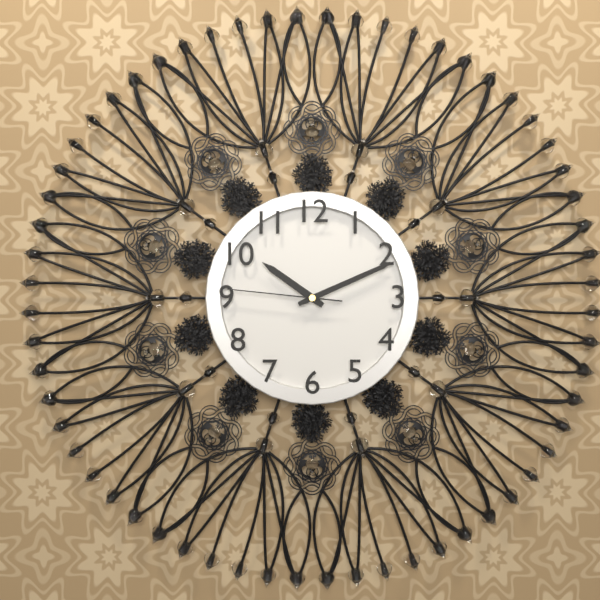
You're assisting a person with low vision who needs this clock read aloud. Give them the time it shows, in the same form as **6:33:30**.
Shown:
**10:11:46**
